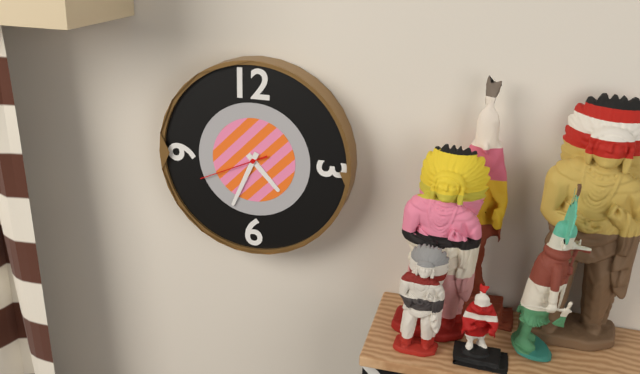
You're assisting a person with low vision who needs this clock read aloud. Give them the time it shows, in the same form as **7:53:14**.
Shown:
**4:34:41**
